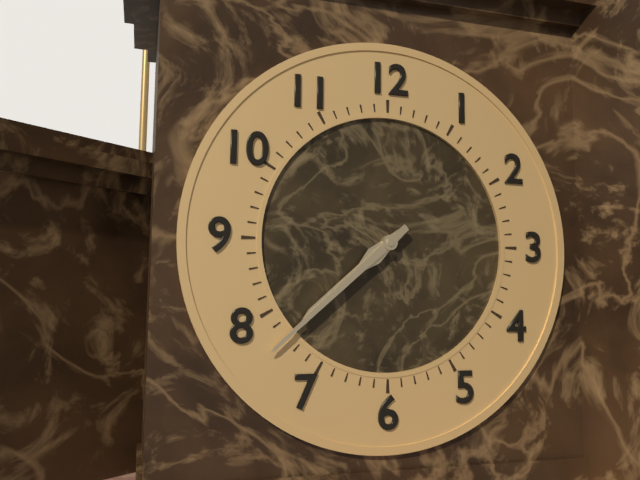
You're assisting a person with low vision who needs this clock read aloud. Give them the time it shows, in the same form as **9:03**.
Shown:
**7:38**
